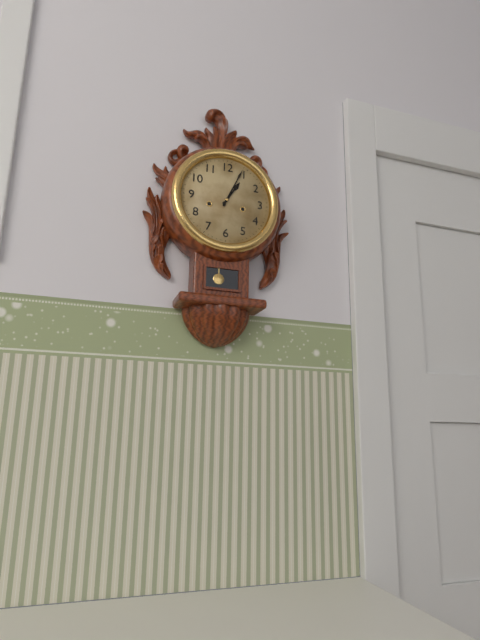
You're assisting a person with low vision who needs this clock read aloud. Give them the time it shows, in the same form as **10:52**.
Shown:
**1:04**
